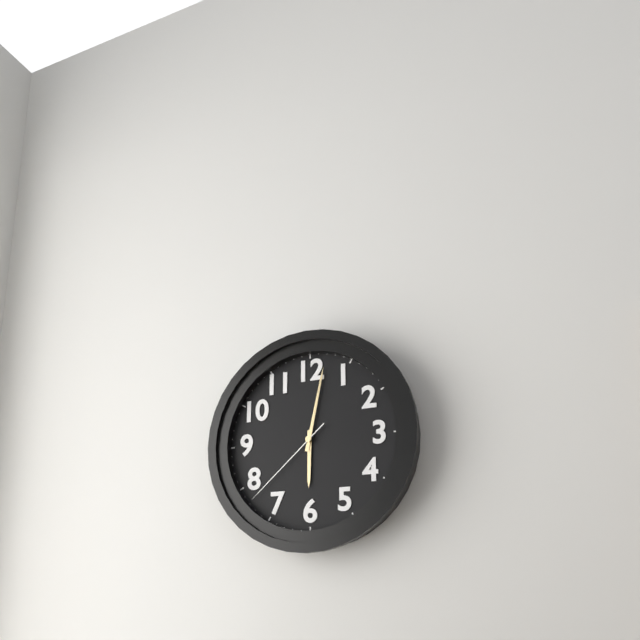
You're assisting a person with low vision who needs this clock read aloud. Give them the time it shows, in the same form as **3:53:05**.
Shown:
**6:02:38**
